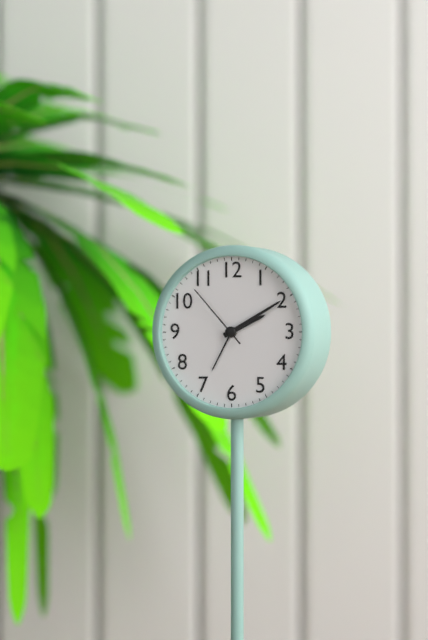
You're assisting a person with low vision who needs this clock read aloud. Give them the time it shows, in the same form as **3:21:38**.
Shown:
**2:10:53**
